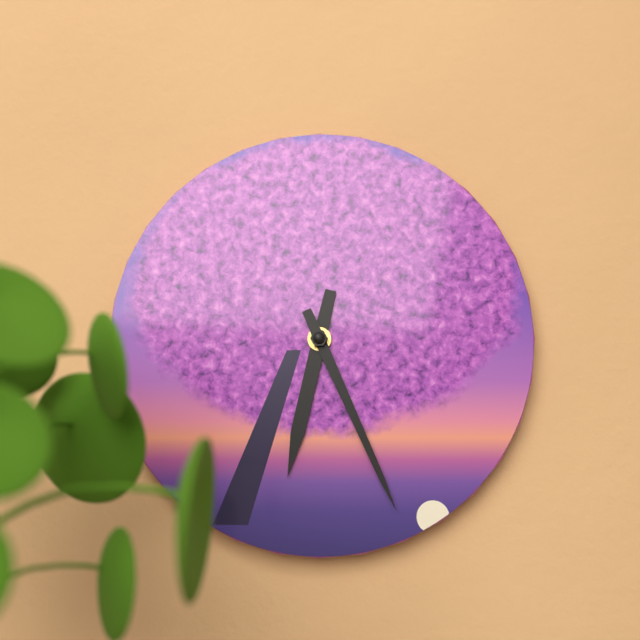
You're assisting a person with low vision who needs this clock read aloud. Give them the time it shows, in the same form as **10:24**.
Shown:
**6:26**
